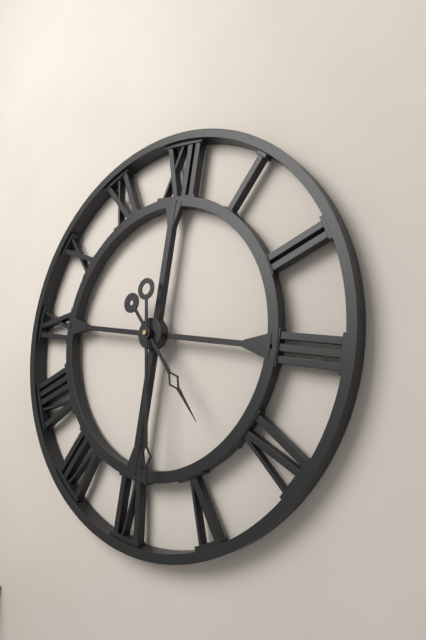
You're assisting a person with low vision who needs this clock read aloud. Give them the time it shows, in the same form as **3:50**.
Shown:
**4:28**
